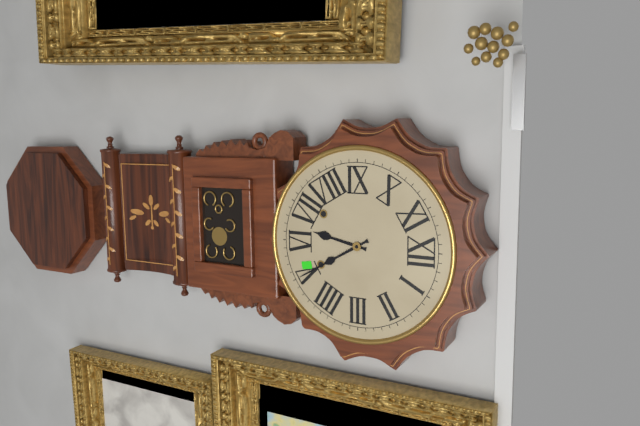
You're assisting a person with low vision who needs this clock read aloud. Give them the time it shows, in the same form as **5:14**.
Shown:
**6:25**
